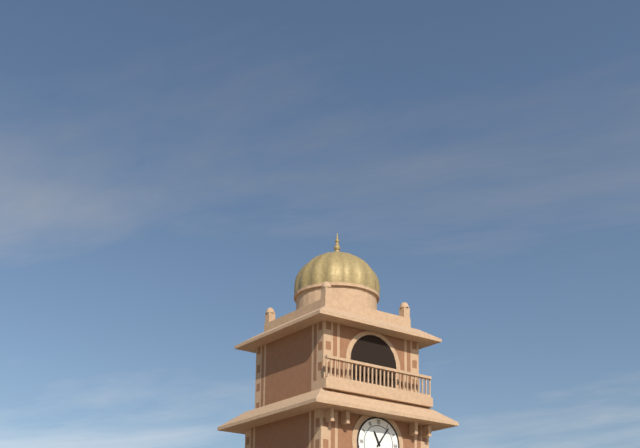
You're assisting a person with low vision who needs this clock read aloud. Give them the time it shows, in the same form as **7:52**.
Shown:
**11:06**
